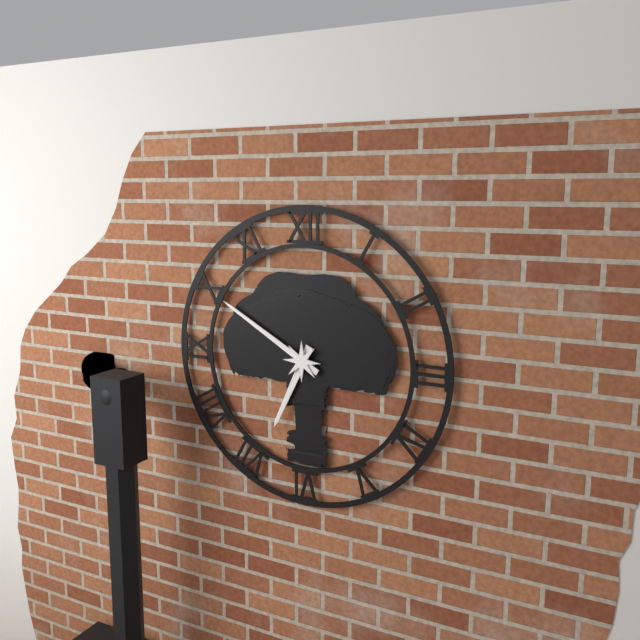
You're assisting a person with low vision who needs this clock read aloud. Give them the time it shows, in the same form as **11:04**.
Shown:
**6:50**
